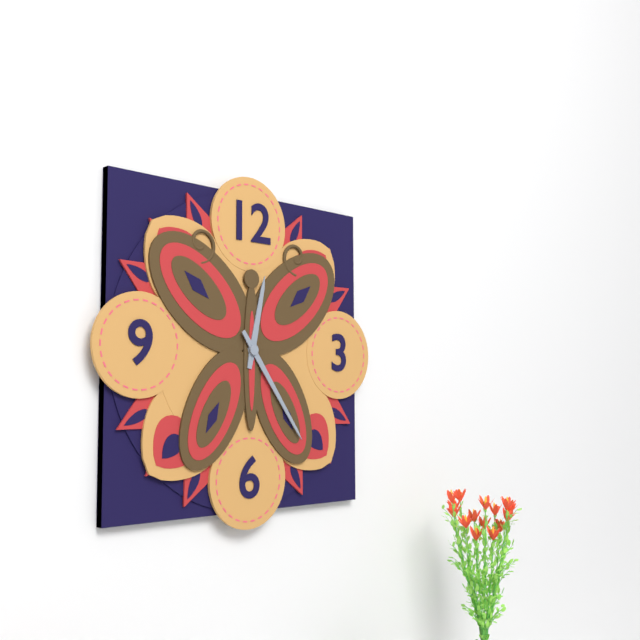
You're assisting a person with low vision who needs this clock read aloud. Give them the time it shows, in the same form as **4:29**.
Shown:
**12:24**
